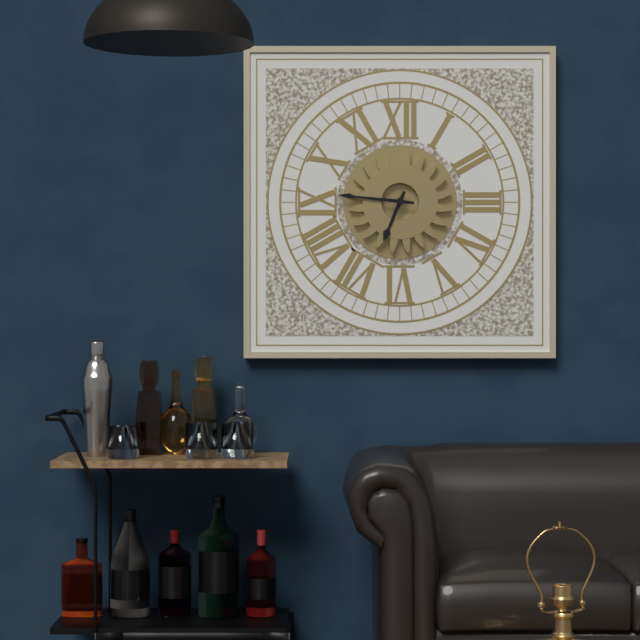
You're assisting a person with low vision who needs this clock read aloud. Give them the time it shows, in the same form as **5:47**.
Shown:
**6:46**
